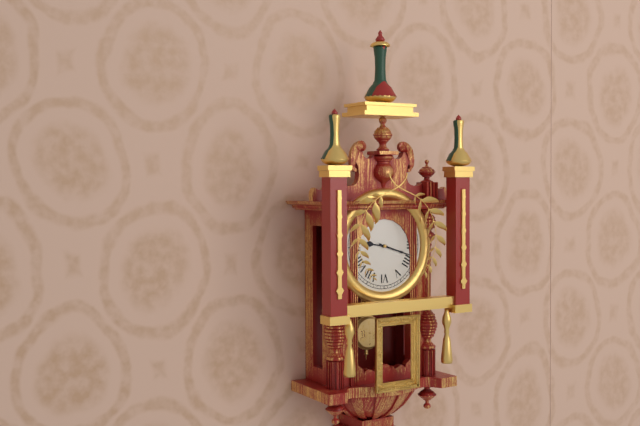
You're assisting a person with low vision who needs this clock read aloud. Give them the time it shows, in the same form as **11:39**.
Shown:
**9:18**
